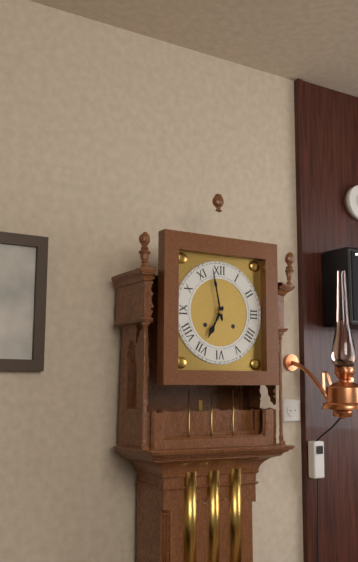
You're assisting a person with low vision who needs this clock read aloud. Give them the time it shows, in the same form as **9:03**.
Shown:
**6:58**
